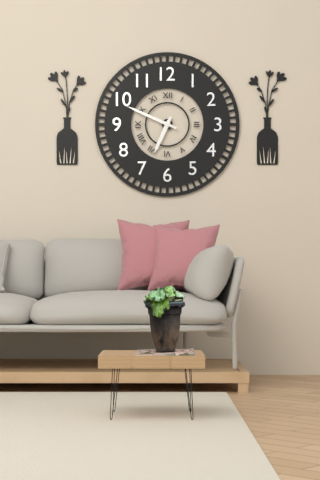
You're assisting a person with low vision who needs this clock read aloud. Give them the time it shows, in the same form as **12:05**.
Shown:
**6:49**
